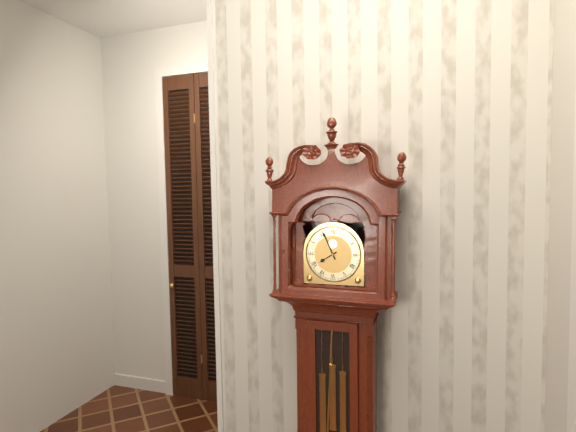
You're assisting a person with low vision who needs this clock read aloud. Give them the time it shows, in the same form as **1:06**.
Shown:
**7:56**
